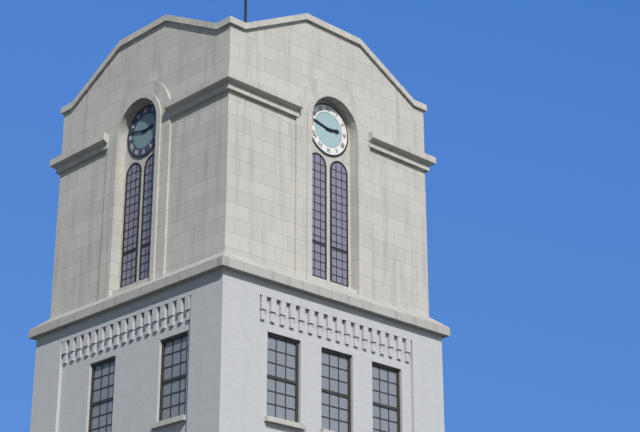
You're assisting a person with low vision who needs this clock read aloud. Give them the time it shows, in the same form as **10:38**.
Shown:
**2:47**
